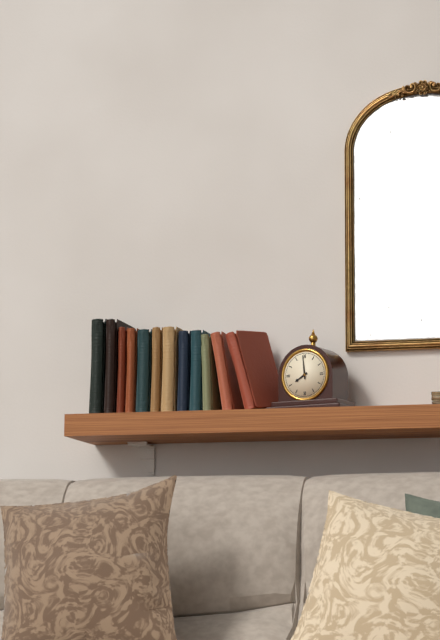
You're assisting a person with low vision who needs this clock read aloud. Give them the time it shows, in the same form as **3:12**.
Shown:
**7:59**
